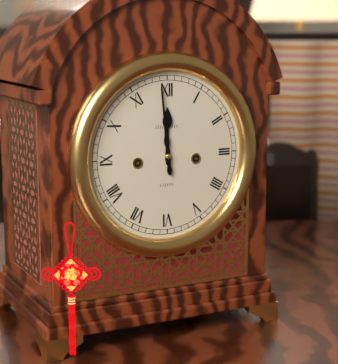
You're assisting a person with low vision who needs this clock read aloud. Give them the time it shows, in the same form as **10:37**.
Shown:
**11:59**
